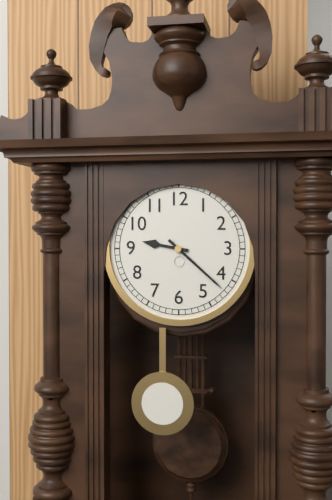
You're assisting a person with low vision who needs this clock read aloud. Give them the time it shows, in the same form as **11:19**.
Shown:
**9:22**
